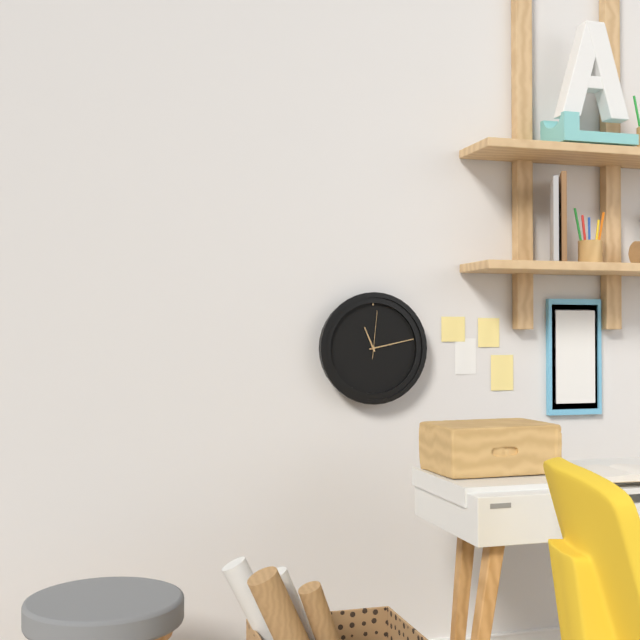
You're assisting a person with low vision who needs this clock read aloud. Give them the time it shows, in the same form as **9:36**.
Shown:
**11:13**
